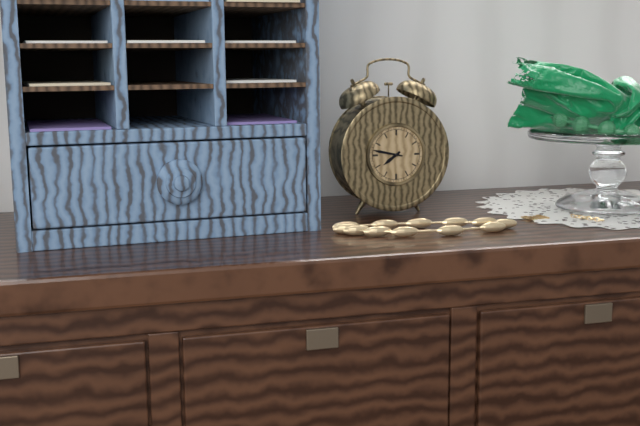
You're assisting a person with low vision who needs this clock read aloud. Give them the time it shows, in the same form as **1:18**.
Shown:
**7:47**
